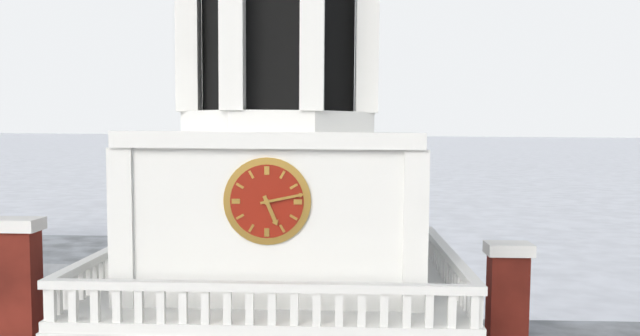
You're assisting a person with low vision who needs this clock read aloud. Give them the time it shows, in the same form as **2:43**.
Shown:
**5:13**
